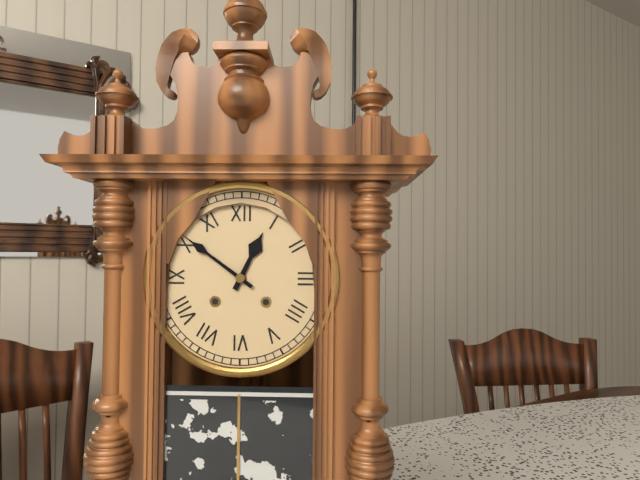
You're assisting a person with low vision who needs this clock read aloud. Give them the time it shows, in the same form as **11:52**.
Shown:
**12:51**
